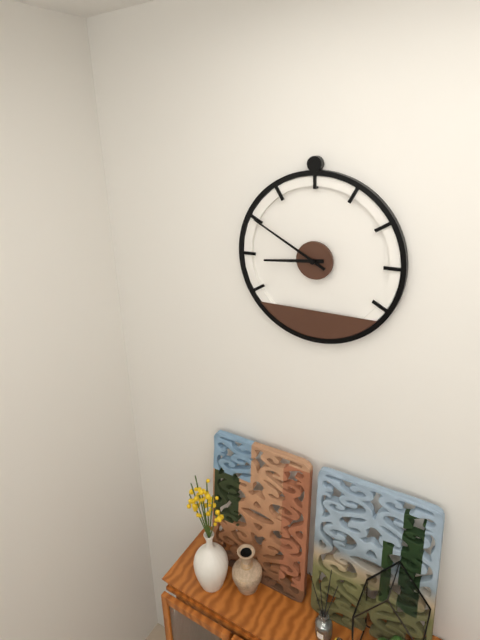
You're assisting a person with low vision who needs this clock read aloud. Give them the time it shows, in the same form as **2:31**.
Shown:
**8:50**
